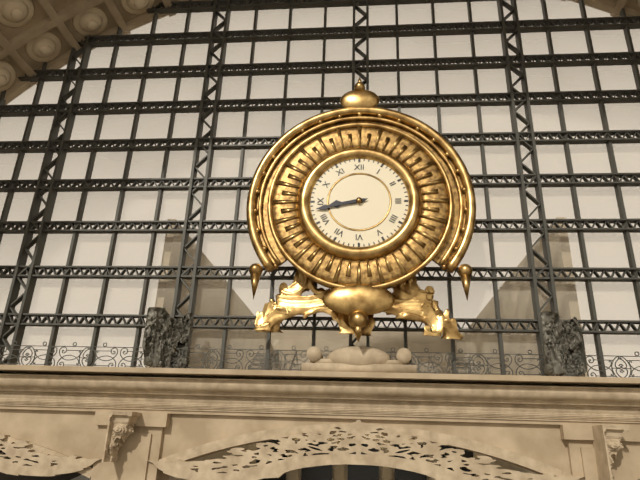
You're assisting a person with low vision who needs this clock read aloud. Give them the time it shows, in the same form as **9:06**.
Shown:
**8:43**
